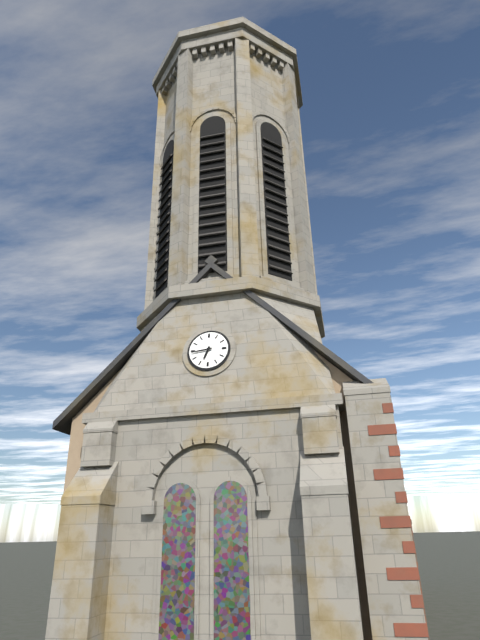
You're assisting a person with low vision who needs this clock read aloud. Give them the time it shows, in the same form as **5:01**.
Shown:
**6:44**
